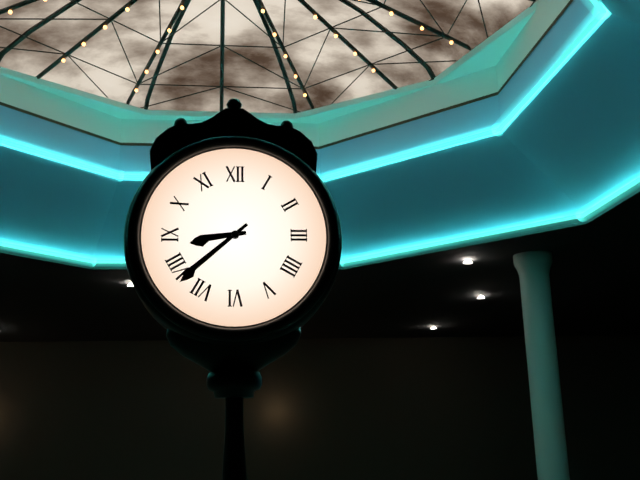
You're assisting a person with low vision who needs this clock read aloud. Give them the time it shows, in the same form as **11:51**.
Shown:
**8:38**
